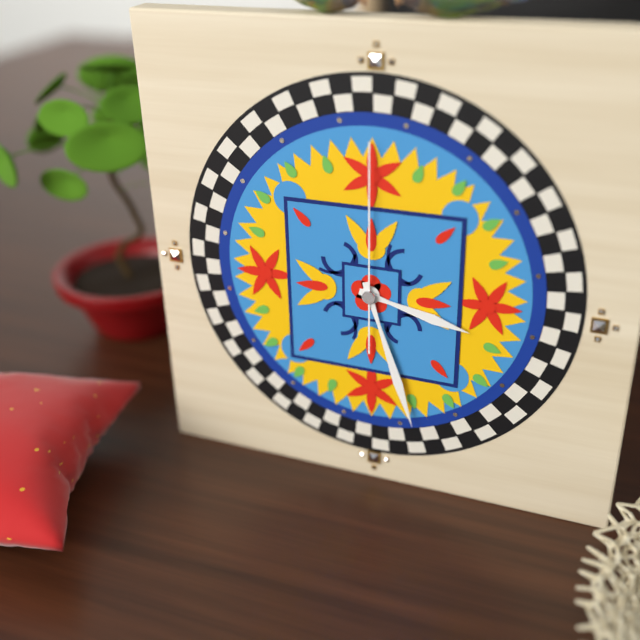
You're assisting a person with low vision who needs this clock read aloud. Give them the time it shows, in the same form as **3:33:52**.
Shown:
**3:27:00**
